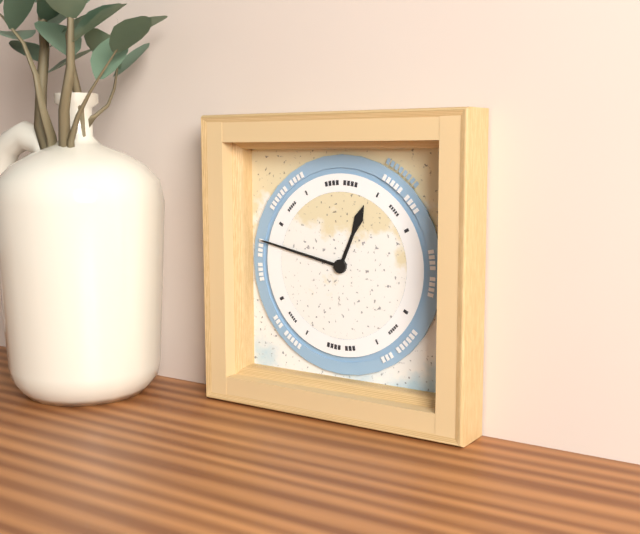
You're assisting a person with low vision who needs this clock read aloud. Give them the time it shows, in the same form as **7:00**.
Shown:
**12:47**
